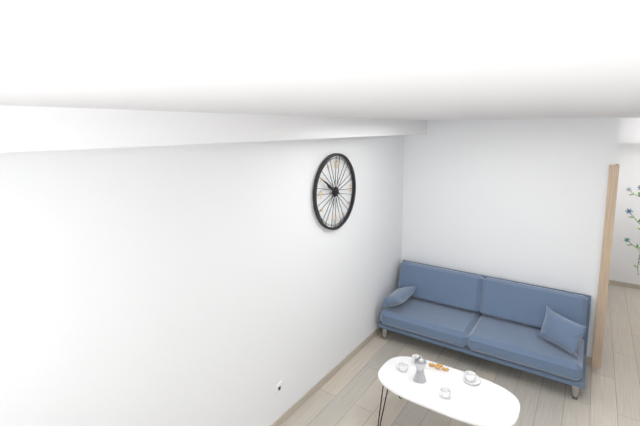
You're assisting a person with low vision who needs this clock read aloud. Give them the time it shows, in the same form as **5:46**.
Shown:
**9:50**
